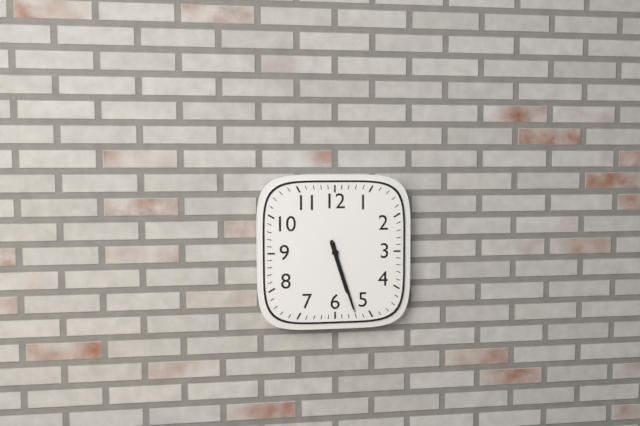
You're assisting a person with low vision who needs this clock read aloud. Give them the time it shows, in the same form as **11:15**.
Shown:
**5:27**
